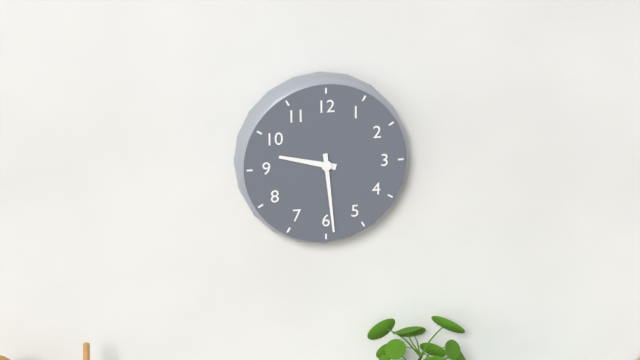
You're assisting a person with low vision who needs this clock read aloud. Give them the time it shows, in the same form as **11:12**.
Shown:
**9:29**
